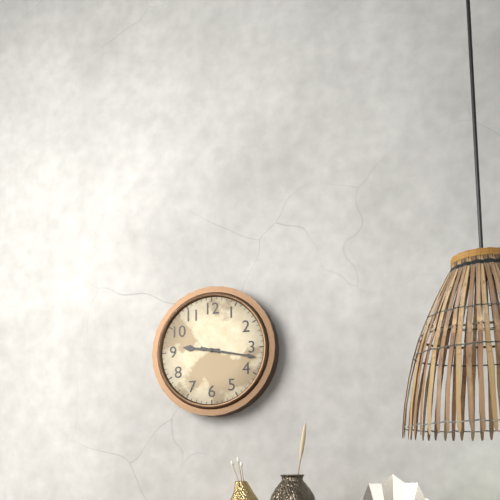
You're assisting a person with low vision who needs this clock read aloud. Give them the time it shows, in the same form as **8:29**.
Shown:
**9:17**
